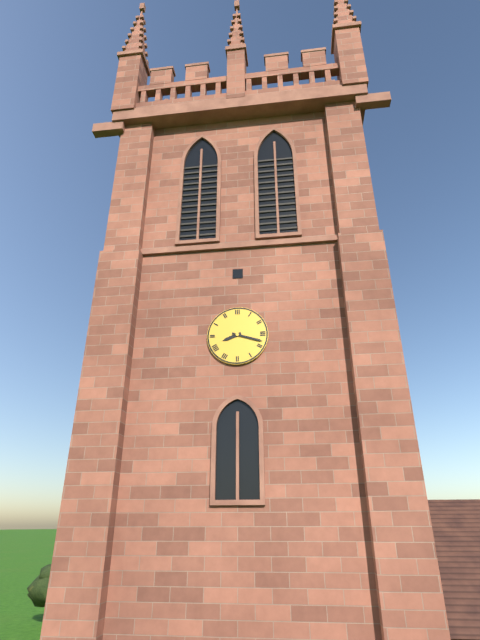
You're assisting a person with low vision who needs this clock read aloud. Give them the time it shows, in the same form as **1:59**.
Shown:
**8:18**
